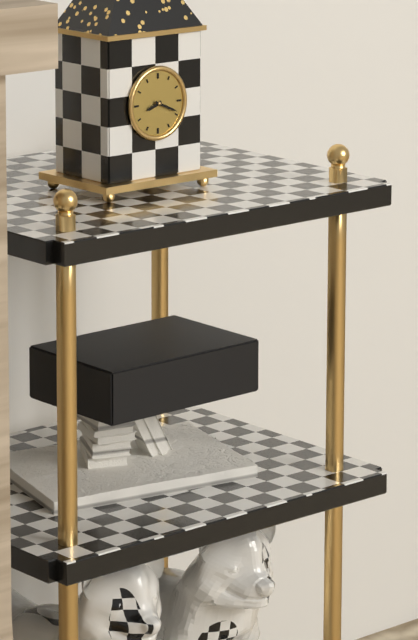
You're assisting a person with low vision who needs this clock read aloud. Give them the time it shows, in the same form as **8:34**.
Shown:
**8:19**
